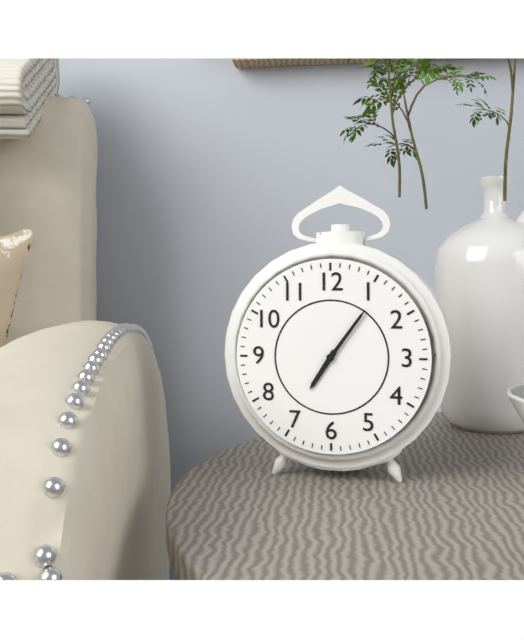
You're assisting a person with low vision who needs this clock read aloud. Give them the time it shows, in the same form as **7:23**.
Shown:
**7:06**
